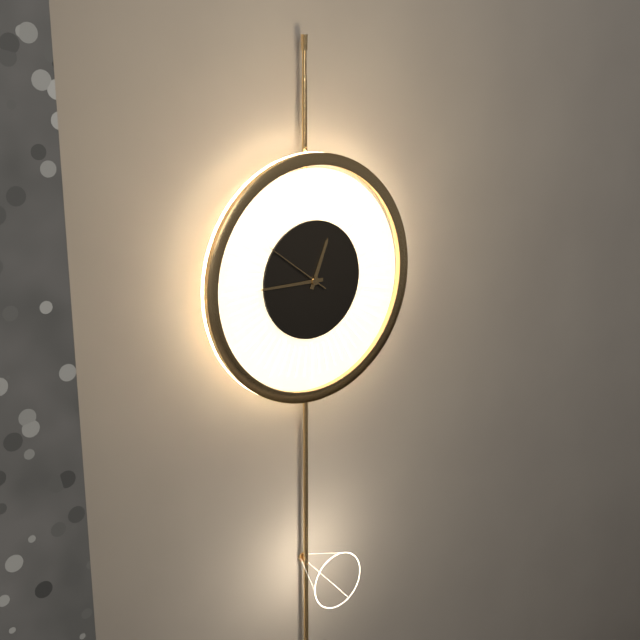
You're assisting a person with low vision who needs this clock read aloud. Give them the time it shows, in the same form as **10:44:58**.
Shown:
**12:45:51**
